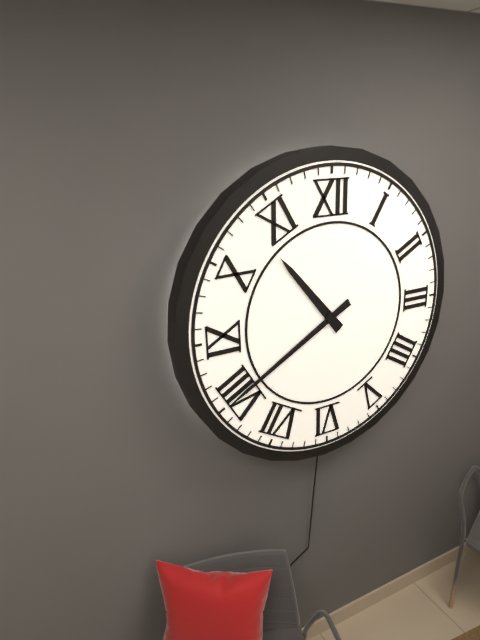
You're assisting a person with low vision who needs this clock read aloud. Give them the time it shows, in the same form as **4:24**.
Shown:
**10:40**
